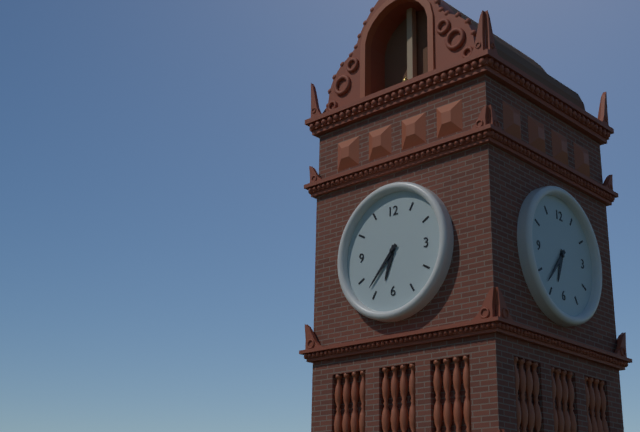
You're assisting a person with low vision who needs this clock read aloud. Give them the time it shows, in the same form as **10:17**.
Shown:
**6:37**
